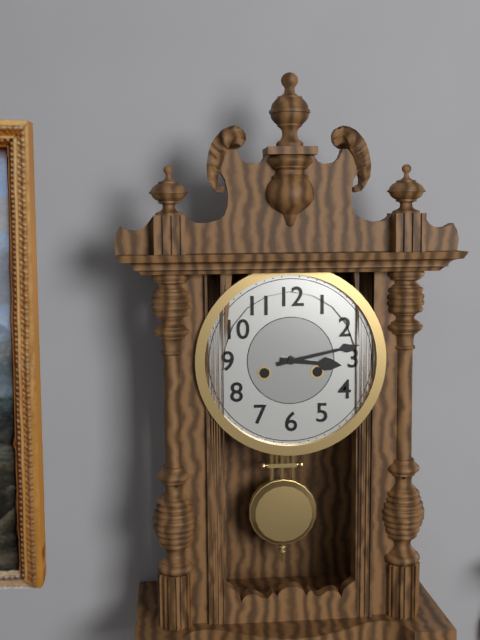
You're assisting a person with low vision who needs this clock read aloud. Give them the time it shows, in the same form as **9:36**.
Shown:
**3:13**
